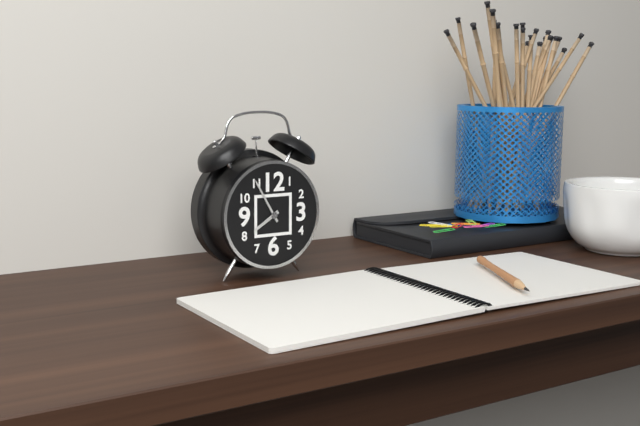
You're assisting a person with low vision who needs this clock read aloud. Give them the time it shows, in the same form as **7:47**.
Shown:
**7:55**
